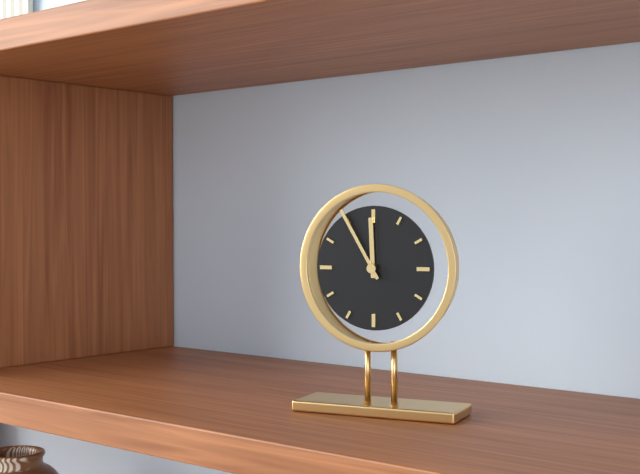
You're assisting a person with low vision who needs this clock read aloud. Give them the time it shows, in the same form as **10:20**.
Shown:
**11:55**
